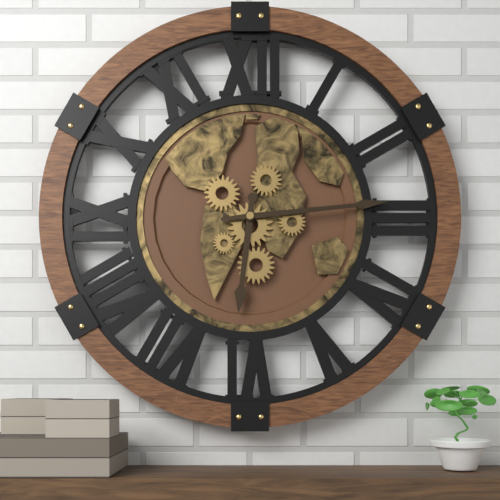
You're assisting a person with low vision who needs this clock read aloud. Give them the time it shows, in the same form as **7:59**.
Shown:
**6:14**
